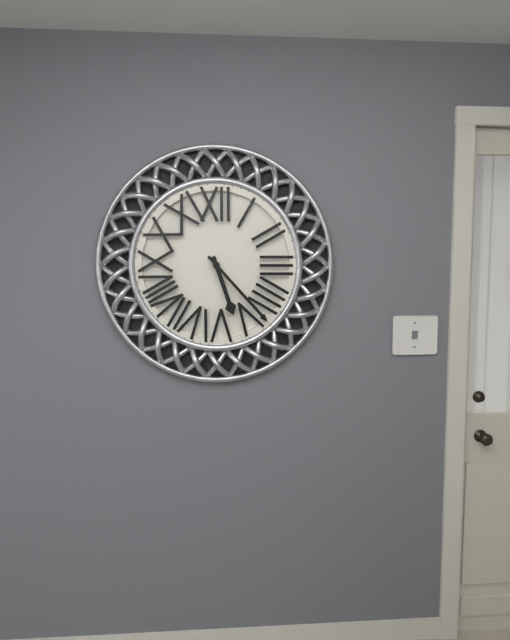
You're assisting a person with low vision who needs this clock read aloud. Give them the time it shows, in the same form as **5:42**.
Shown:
**5:23**
